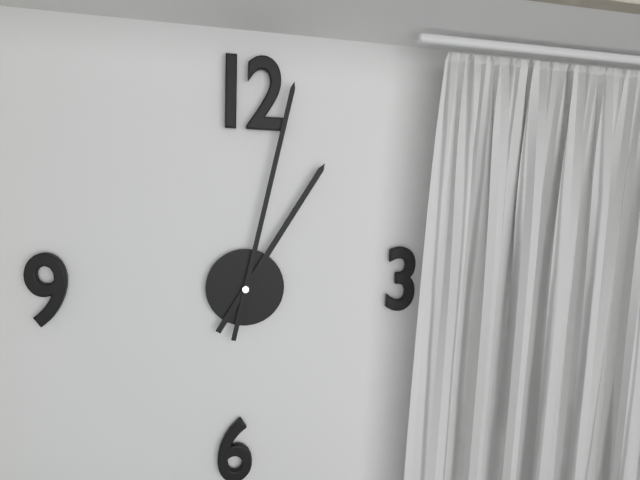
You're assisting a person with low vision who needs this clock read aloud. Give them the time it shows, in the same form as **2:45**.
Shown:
**1:02**
